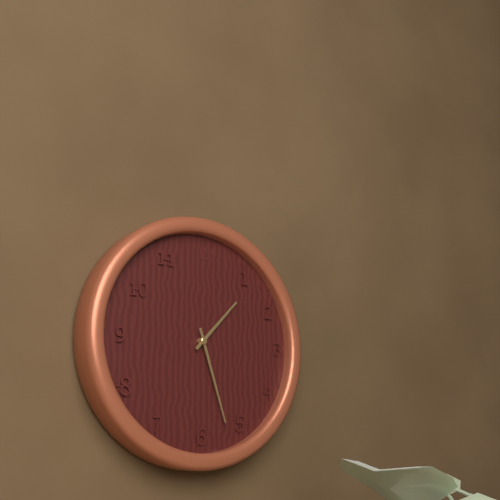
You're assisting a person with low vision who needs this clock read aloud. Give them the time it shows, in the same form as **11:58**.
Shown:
**1:27**
